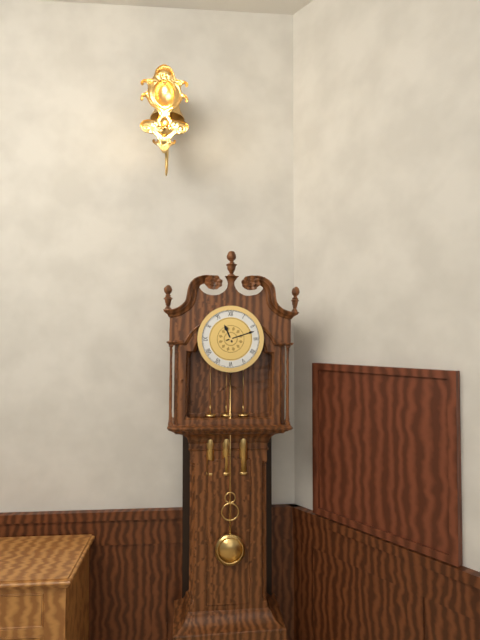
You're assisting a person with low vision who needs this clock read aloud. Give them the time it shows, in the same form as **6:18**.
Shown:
**11:12**
